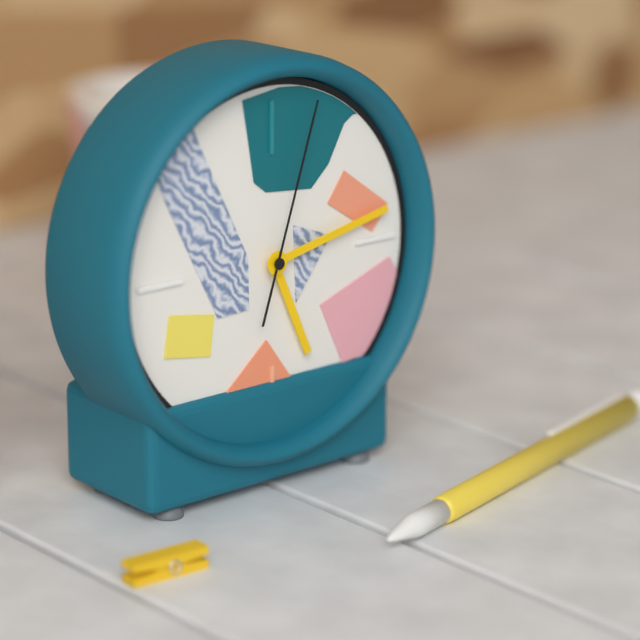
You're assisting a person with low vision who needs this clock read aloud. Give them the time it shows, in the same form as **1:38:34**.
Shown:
**5:13:03**
